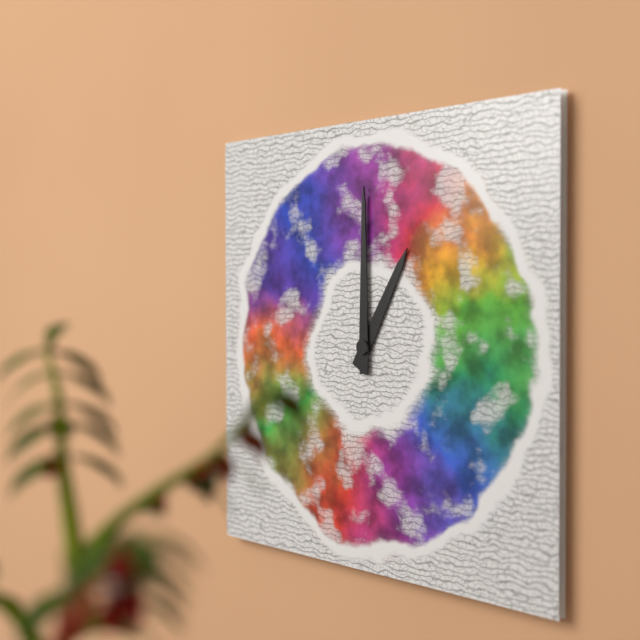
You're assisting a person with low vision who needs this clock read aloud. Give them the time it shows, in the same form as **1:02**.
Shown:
**1:00**
